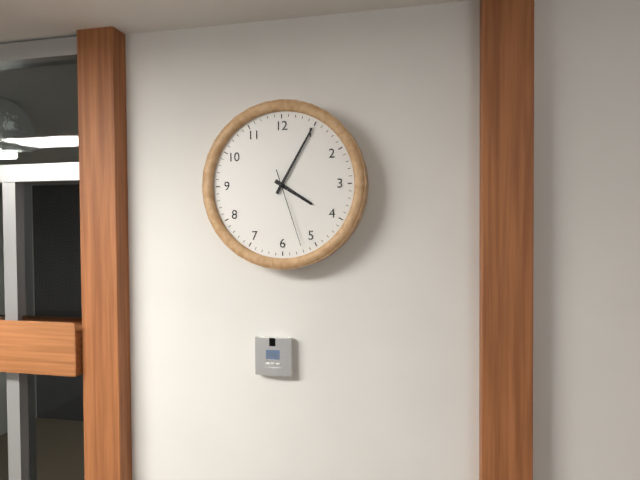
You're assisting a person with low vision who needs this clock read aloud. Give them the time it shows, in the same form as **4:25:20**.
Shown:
**4:05:27**
